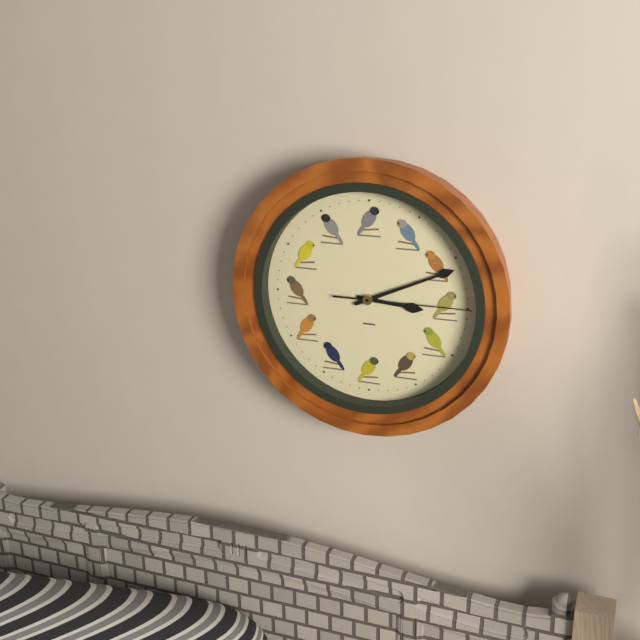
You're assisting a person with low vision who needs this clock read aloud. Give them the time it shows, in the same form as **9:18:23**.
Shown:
**3:11:15**
